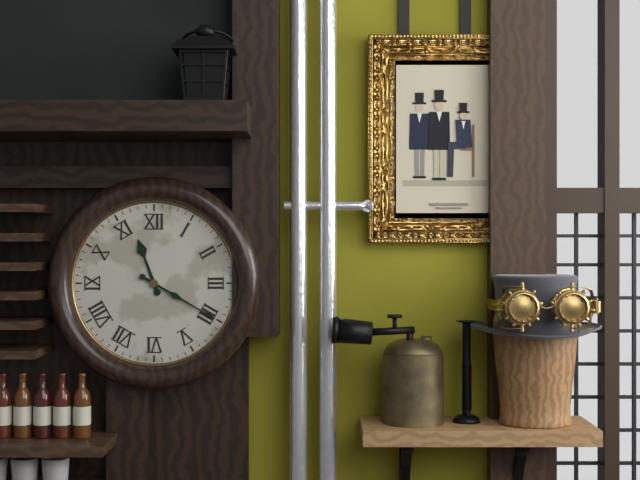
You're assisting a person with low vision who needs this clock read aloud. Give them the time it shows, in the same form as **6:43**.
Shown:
**11:20**
